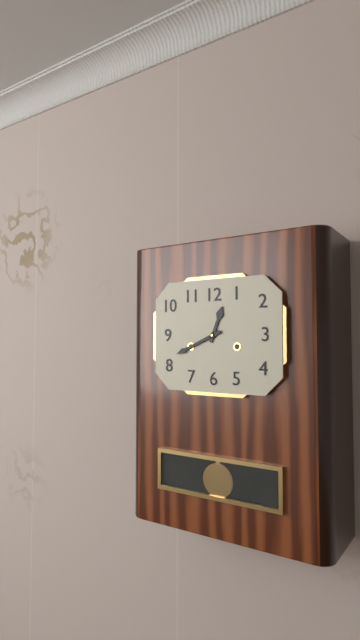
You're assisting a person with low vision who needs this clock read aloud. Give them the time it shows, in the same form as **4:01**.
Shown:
**12:41**
